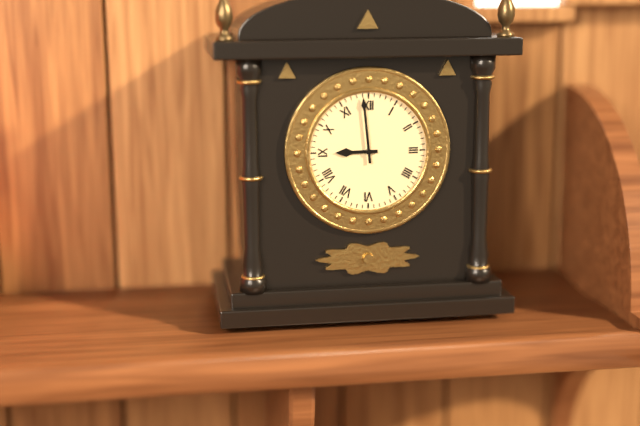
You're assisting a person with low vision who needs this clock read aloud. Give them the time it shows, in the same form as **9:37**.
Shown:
**8:59**
